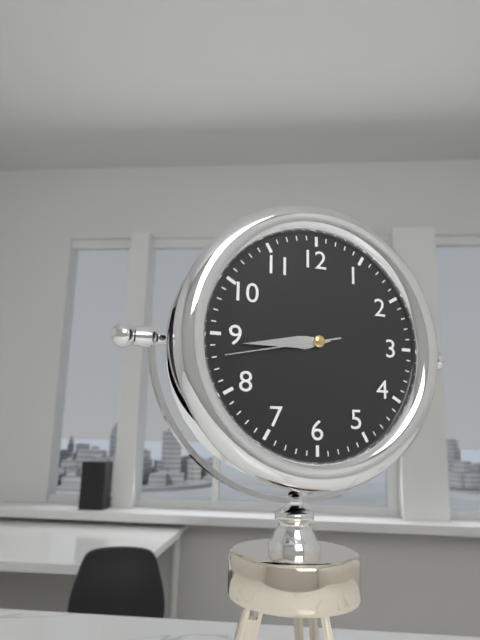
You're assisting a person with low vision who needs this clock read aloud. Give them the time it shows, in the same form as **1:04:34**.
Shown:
**8:44:43**
